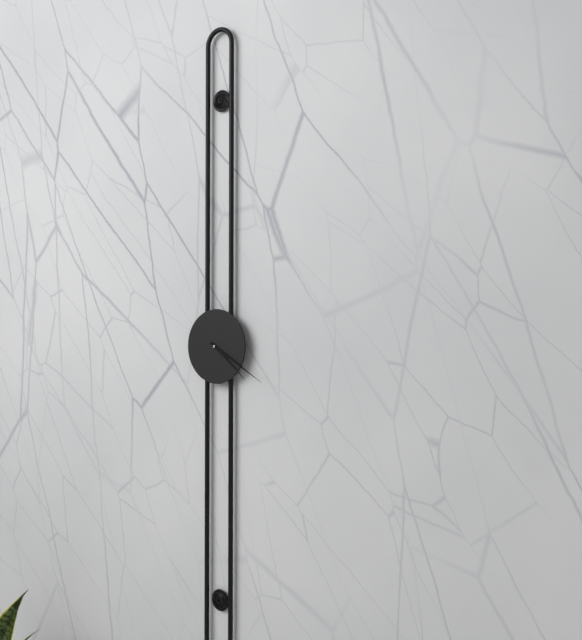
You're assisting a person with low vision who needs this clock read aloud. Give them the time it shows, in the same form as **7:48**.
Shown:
**4:20**
